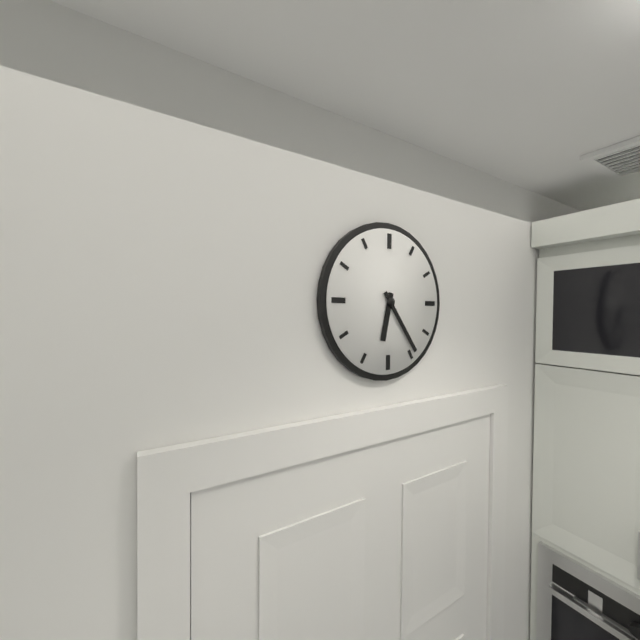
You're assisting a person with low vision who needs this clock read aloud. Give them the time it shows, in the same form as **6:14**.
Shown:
**6:24**
